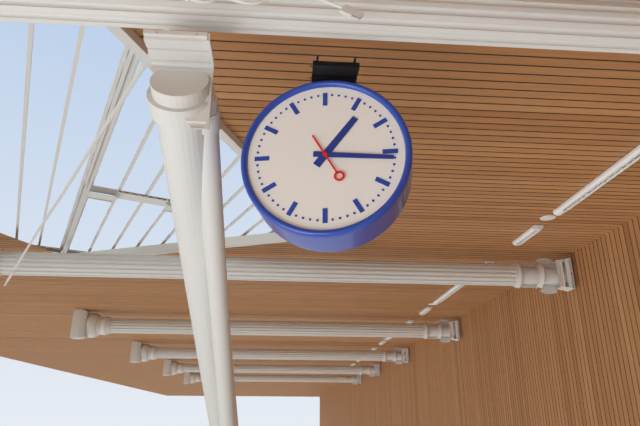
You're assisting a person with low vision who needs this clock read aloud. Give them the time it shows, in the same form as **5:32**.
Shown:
**1:16**
